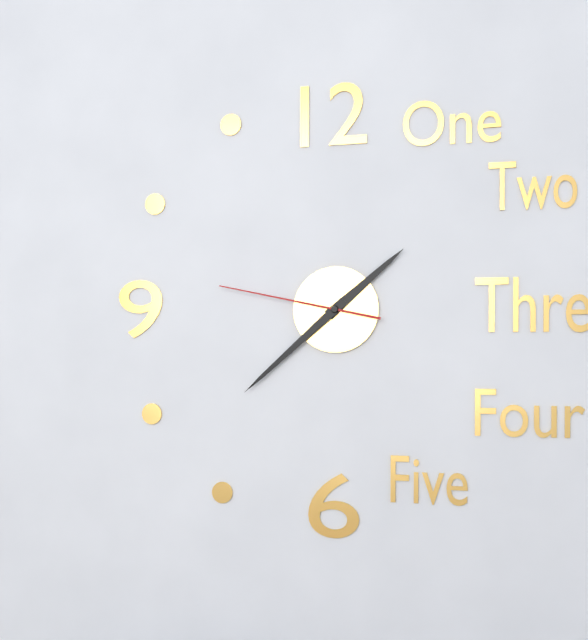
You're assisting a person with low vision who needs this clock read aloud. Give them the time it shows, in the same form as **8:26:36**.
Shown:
**1:38:47**
